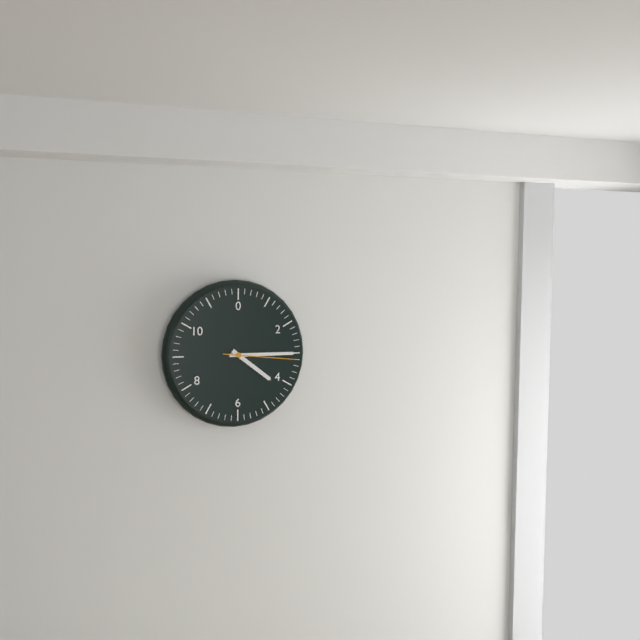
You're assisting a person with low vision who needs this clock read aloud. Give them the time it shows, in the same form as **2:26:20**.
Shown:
**4:15:16**
